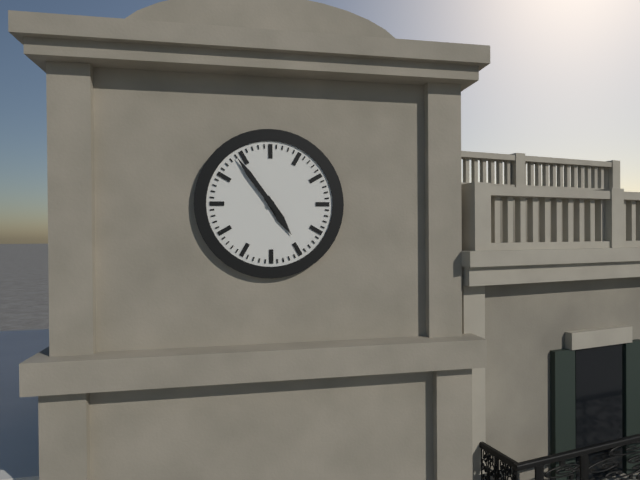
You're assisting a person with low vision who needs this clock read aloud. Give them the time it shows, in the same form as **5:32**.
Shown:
**4:54**
